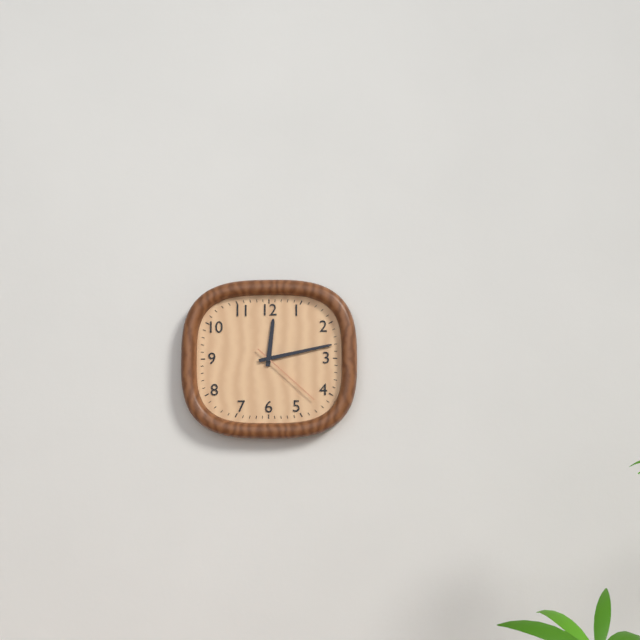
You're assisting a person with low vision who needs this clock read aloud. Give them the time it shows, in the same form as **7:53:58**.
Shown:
**12:13:22**
